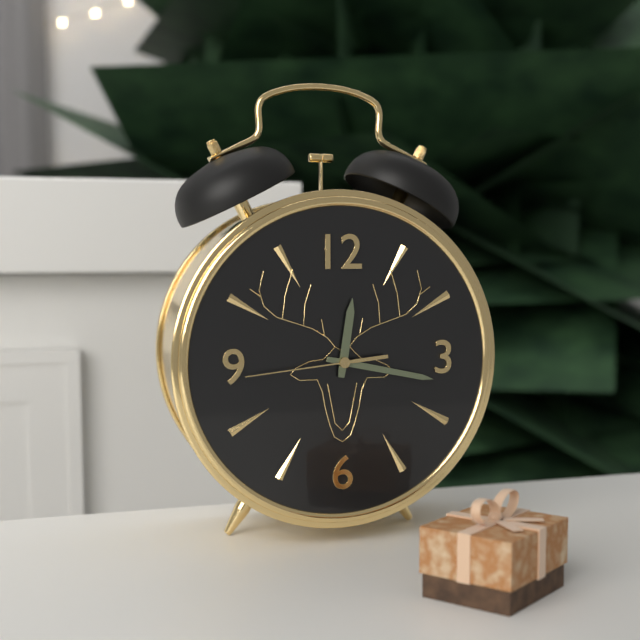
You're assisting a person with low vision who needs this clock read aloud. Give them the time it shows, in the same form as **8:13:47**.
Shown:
**12:17:44**
